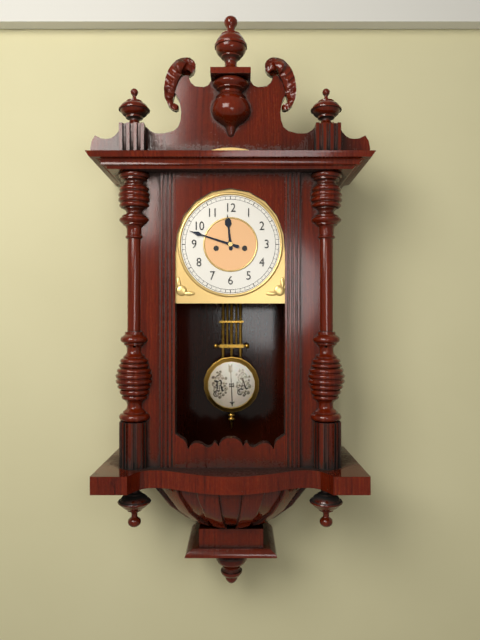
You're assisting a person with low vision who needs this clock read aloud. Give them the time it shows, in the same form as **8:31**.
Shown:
**11:48**
